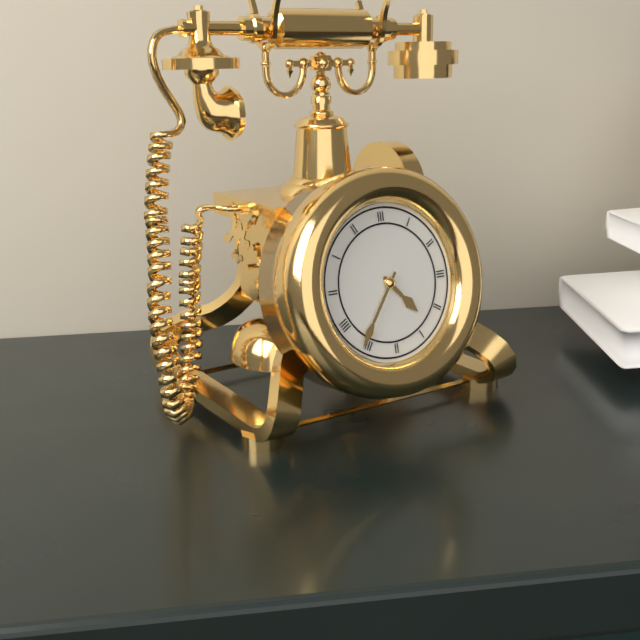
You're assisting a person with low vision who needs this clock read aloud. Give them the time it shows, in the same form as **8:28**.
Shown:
**4:36**
